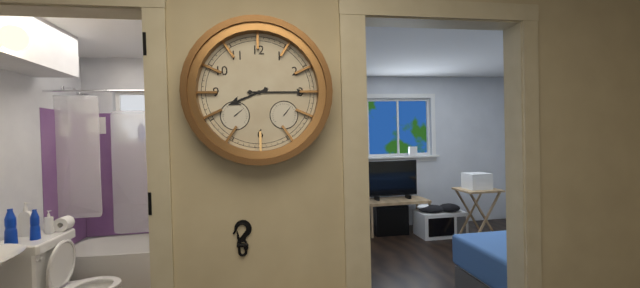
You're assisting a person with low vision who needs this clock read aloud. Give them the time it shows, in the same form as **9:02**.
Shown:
**8:15**
